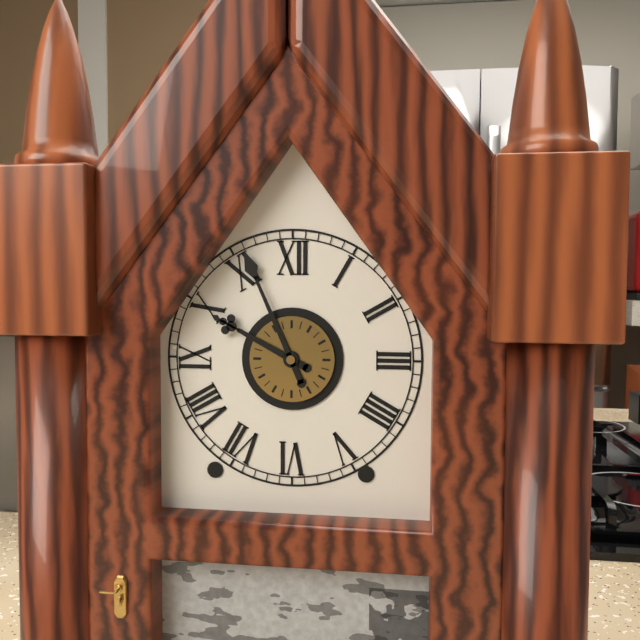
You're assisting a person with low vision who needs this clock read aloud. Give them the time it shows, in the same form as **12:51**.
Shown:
**9:56**
